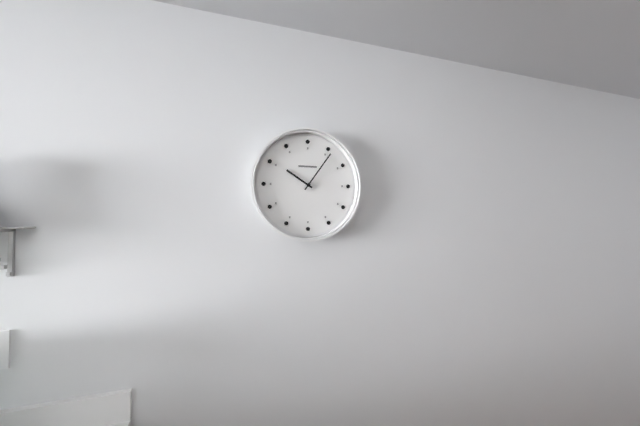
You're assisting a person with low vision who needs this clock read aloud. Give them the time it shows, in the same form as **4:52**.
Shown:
**10:06**
